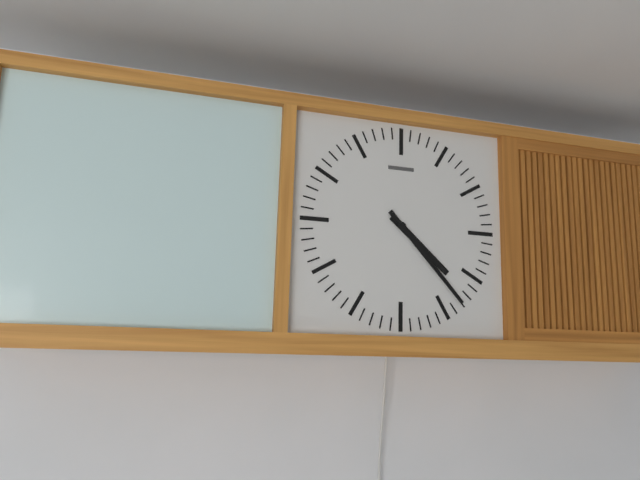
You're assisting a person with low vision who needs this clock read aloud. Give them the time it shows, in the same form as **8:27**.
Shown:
**4:23**
